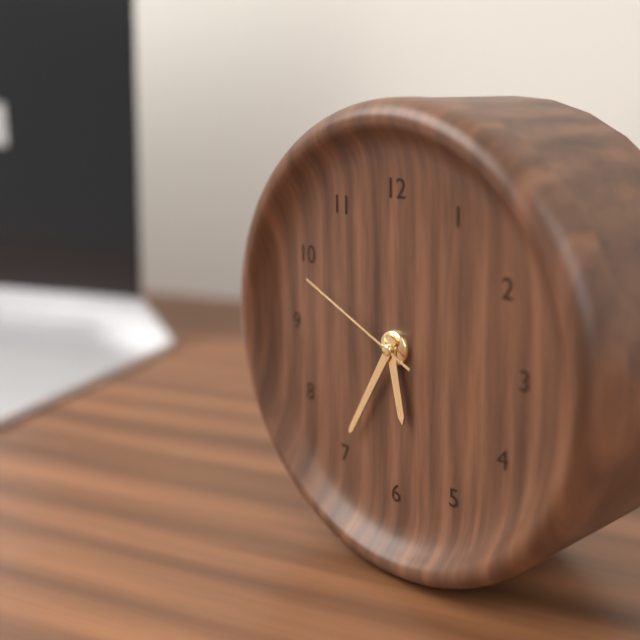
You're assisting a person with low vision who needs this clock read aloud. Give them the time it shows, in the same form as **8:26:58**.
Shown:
**5:35:49**
